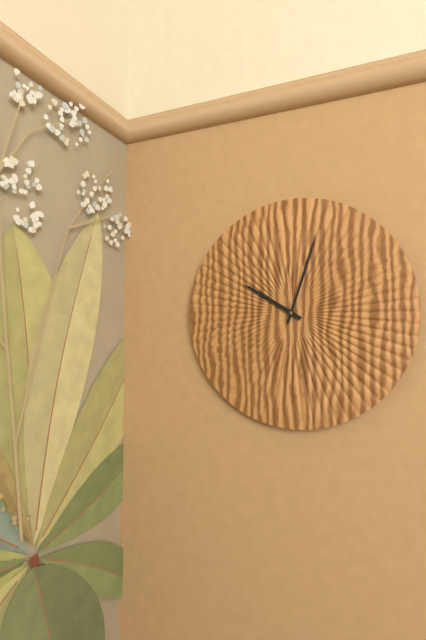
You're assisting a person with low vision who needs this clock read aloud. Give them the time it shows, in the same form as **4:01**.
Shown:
**10:03**
